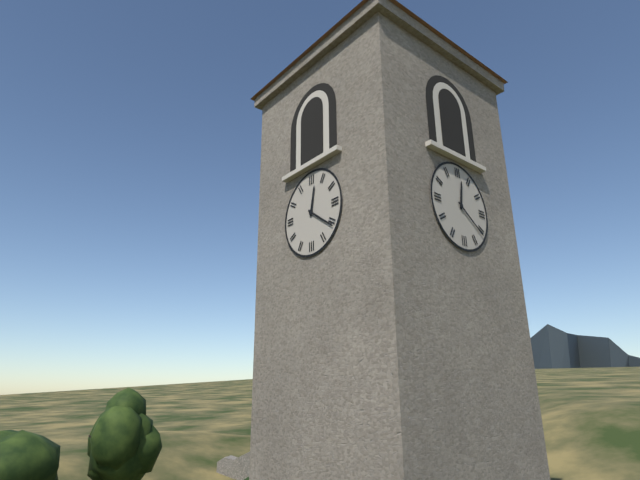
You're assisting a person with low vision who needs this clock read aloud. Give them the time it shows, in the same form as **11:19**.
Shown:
**12:21**
